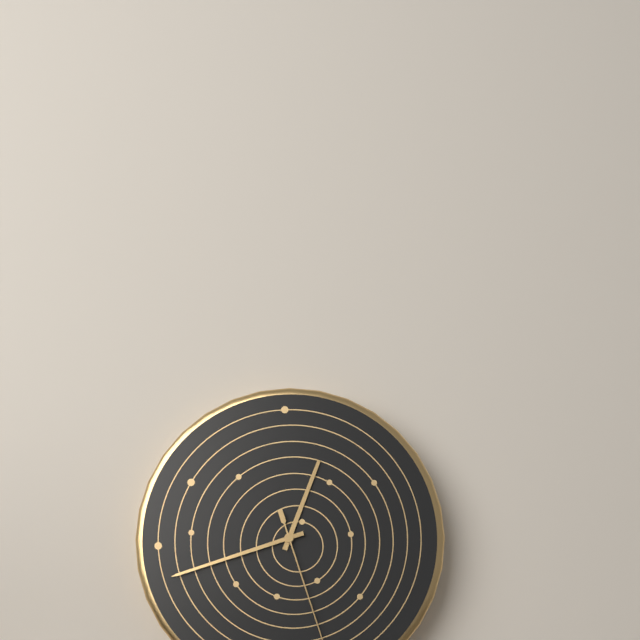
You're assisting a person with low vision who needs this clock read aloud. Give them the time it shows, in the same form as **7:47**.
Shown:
**12:42**
